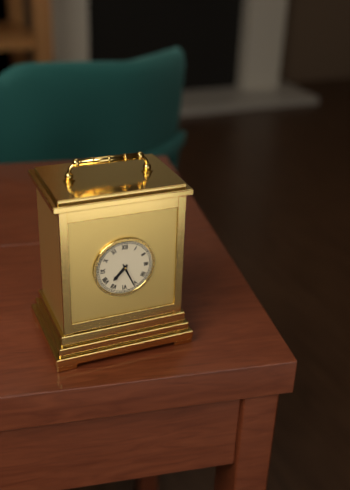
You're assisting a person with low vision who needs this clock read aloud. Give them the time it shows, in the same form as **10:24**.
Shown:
**7:26**
